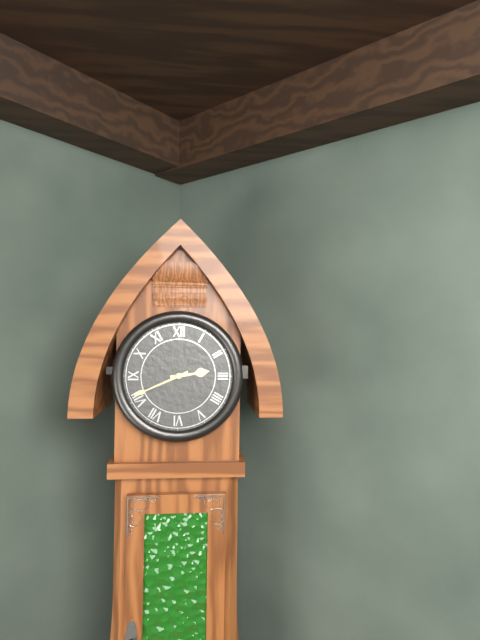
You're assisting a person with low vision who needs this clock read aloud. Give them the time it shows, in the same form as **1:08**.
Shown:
**2:41**
